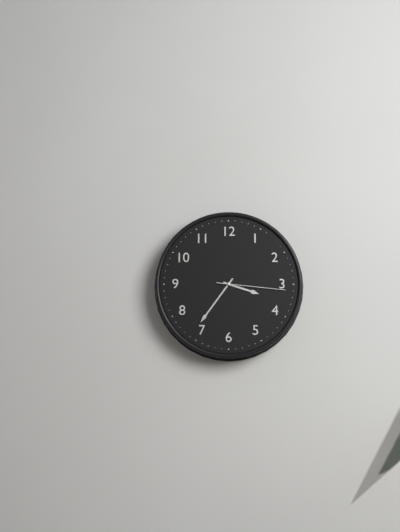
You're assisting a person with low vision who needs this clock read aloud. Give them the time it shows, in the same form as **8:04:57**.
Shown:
**3:36:16**
